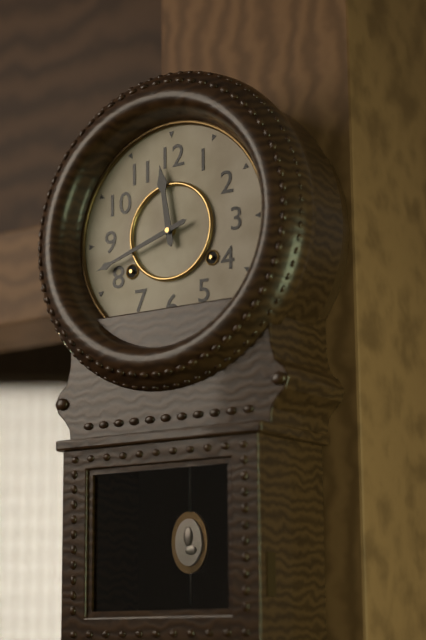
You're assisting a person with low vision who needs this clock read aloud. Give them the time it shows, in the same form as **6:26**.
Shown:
**11:42**
